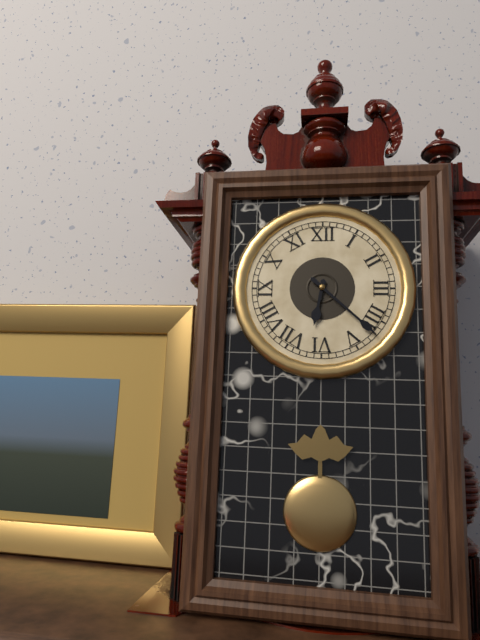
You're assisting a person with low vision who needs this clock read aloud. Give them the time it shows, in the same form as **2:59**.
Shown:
**6:22**
